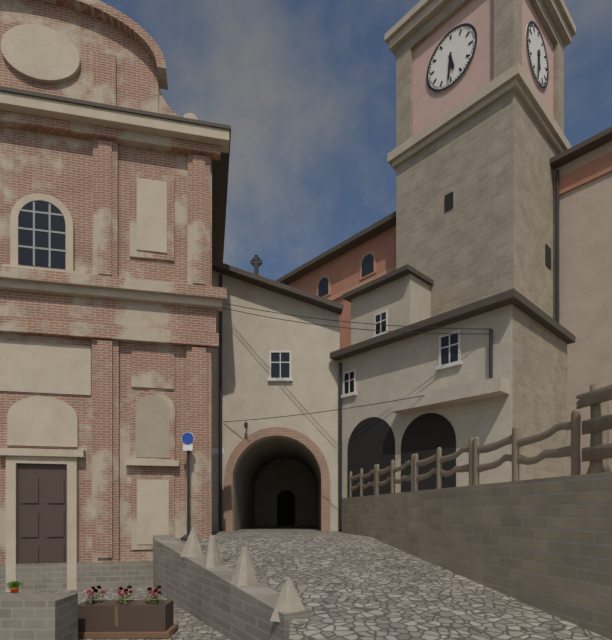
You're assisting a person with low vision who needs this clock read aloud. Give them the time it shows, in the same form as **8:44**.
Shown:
**5:31**
